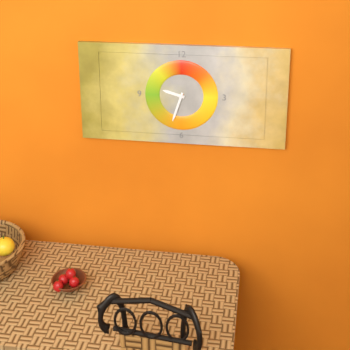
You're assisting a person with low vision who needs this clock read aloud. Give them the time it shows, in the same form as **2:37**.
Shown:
**9:33**
